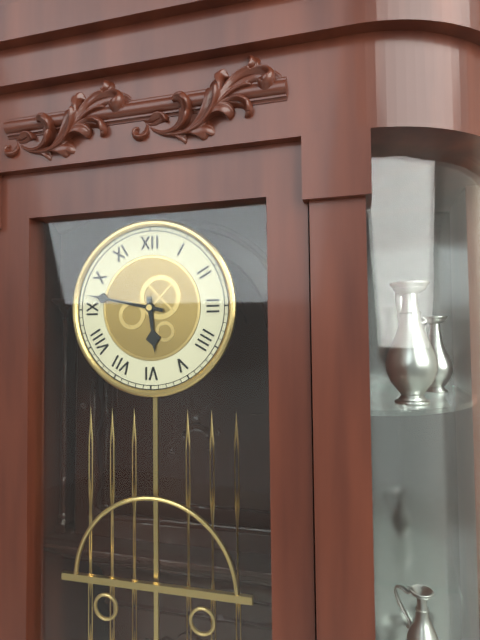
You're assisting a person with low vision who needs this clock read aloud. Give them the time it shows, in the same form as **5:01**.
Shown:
**5:47**
